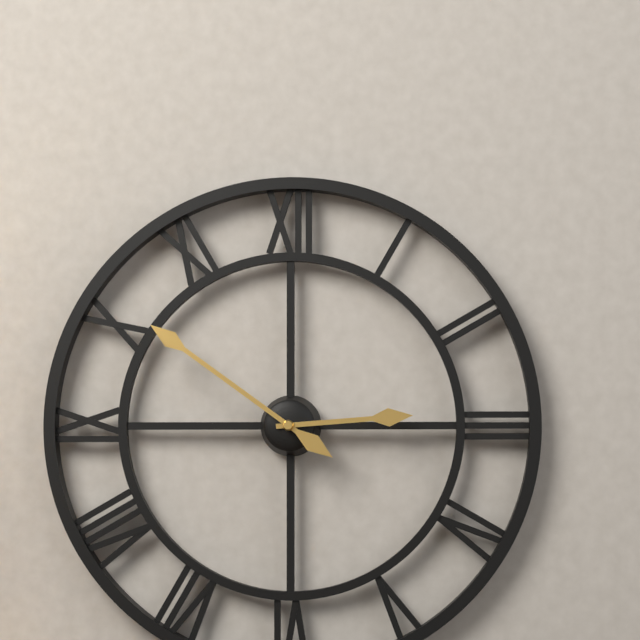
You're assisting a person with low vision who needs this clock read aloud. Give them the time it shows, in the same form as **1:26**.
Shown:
**2:51**
